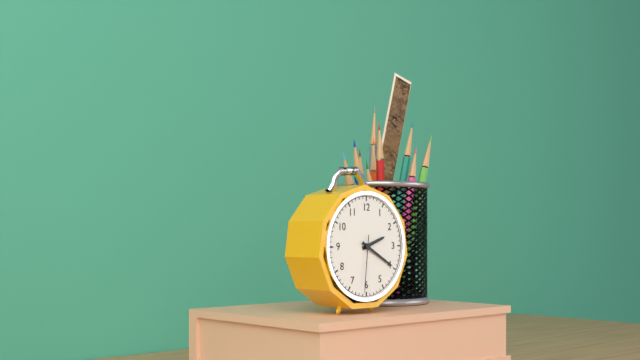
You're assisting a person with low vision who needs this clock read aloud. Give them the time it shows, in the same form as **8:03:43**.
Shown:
**2:20:31**
